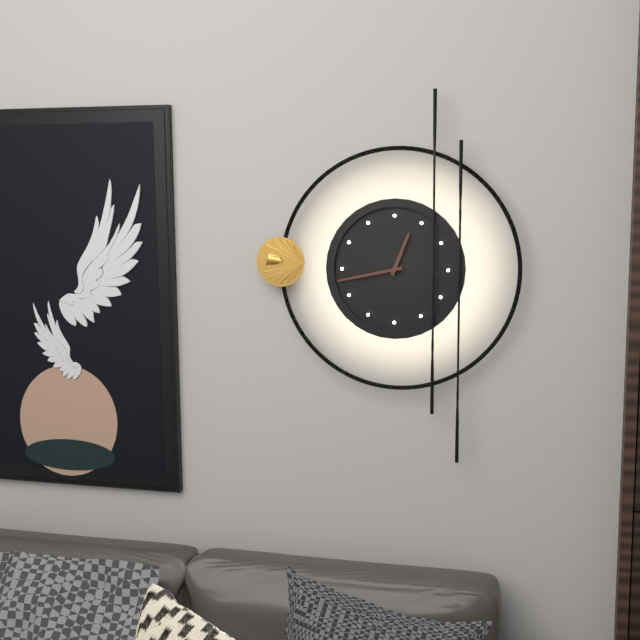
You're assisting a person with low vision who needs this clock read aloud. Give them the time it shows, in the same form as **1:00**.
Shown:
**12:43**
